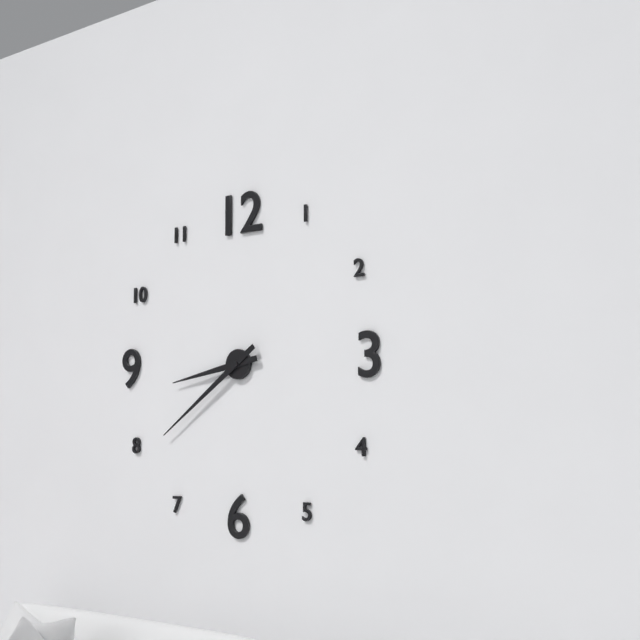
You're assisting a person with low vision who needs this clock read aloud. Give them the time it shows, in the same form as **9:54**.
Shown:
**8:39**
